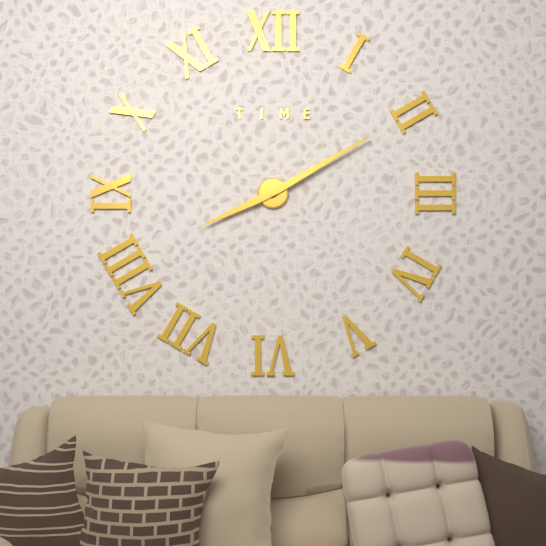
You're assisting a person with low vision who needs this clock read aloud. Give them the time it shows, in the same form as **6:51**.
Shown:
**8:10**
